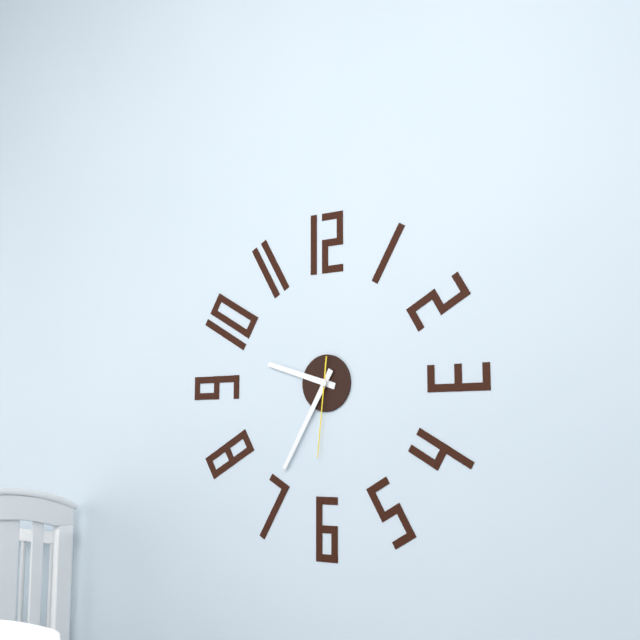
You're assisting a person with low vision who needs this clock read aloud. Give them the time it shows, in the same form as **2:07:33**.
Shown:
**9:35:31**
